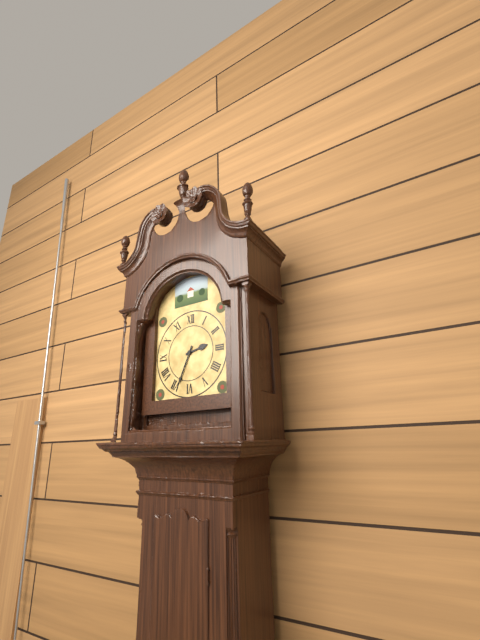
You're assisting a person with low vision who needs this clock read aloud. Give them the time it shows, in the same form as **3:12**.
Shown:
**2:34**
